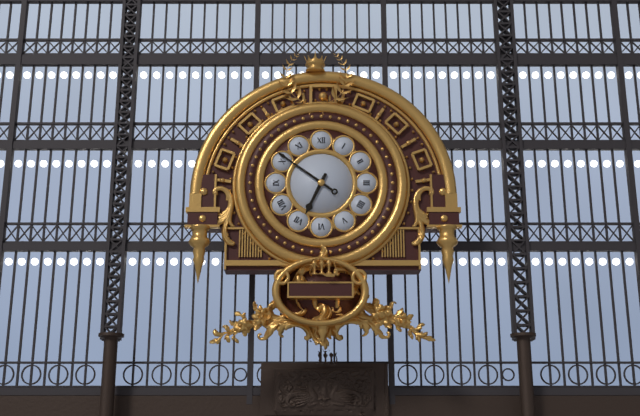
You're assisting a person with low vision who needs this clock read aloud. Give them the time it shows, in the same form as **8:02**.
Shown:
**6:51**
